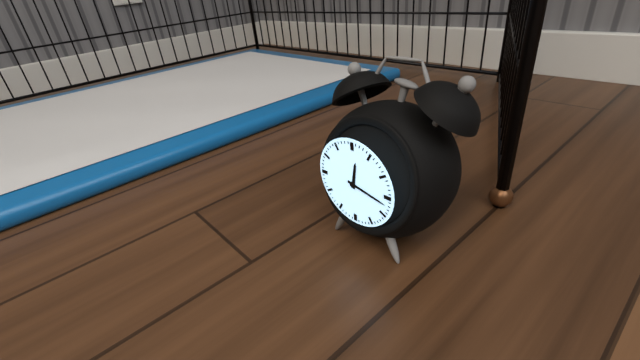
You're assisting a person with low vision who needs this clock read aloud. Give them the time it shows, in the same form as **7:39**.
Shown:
**12:17**
